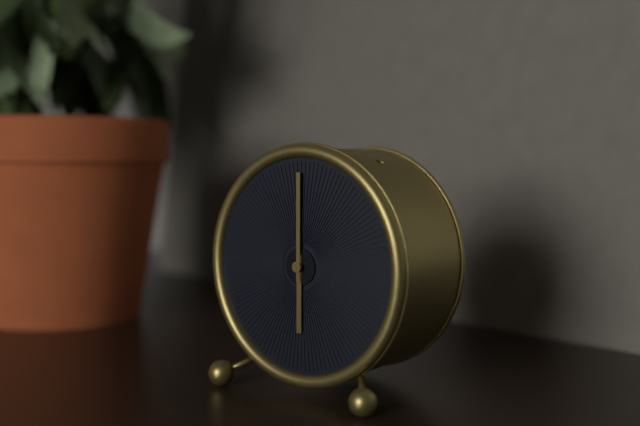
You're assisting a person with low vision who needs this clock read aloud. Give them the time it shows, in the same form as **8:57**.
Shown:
**6:00**
